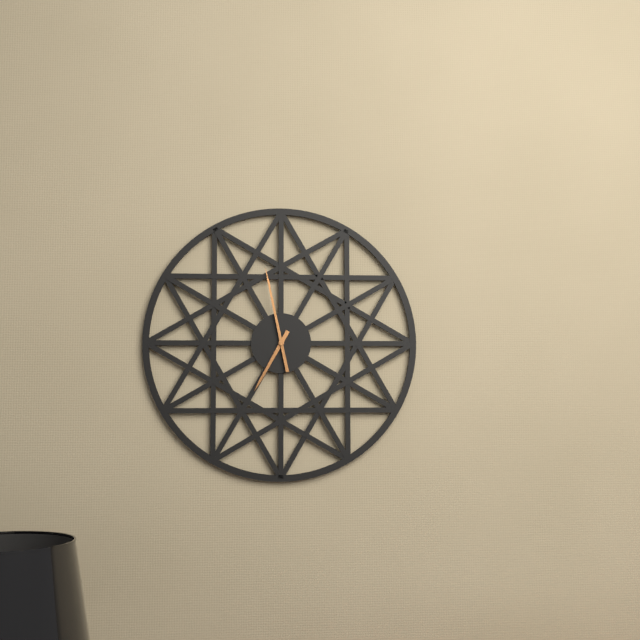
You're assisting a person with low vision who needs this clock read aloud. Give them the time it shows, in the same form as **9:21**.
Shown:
**6:58**
